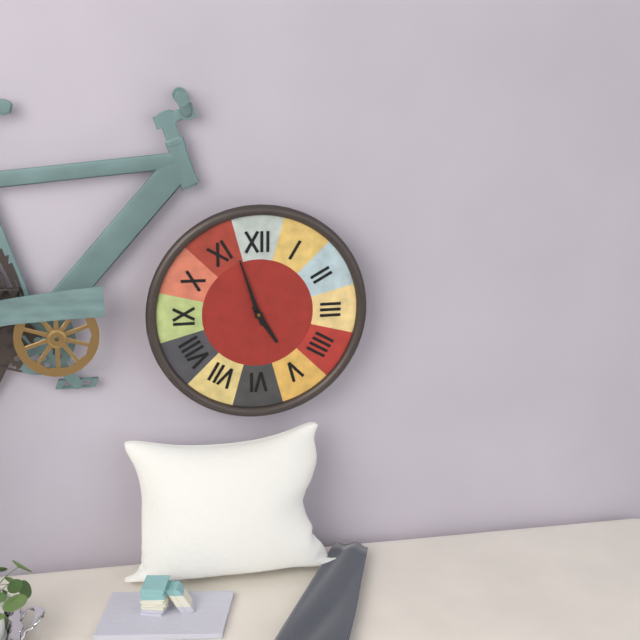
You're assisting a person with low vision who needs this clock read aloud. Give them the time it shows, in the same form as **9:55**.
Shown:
**4:57**
